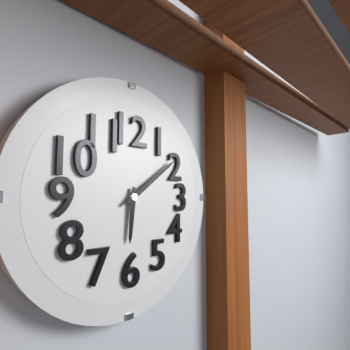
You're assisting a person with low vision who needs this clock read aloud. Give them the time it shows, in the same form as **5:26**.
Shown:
**6:09**
